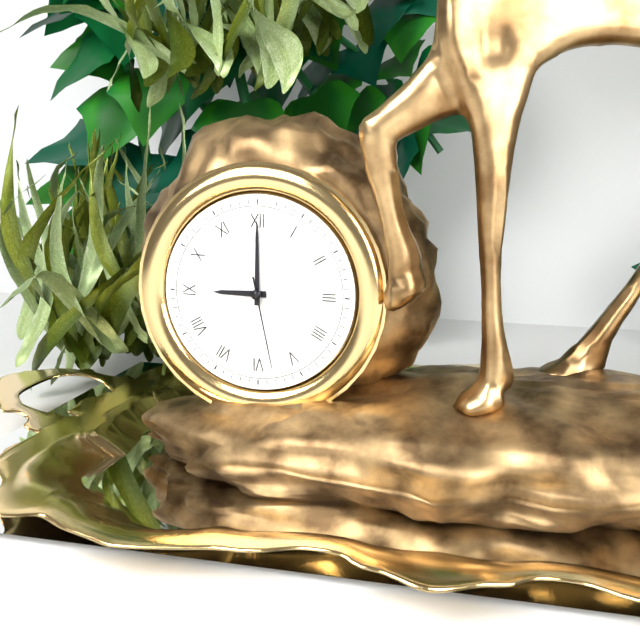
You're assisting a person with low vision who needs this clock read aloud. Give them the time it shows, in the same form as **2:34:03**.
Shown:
**9:00:28**
